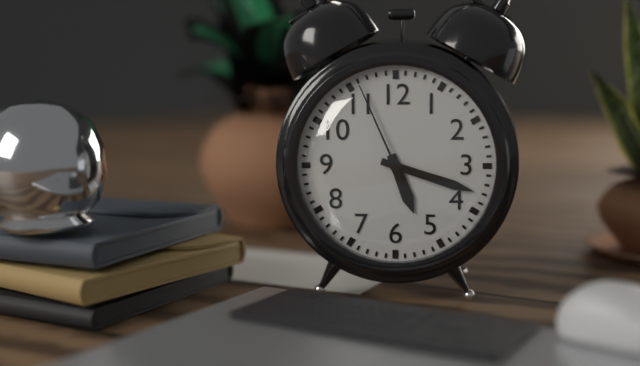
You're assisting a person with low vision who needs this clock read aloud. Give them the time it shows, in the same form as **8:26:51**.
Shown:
**5:18:56**
